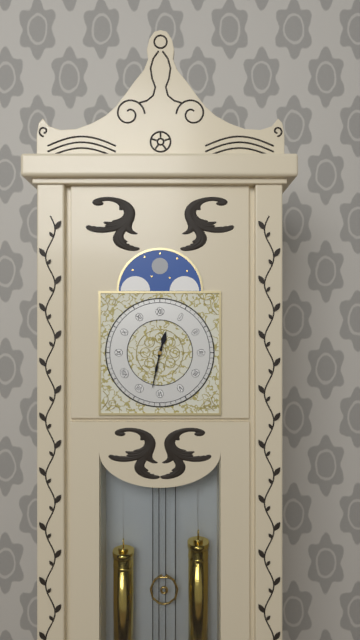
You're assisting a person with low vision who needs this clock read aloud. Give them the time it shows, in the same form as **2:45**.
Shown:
**12:32**
